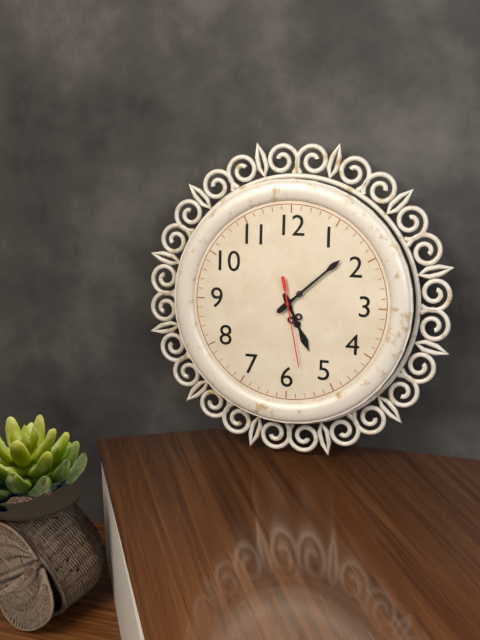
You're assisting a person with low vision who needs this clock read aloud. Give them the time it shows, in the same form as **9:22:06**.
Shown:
**5:08:28**
